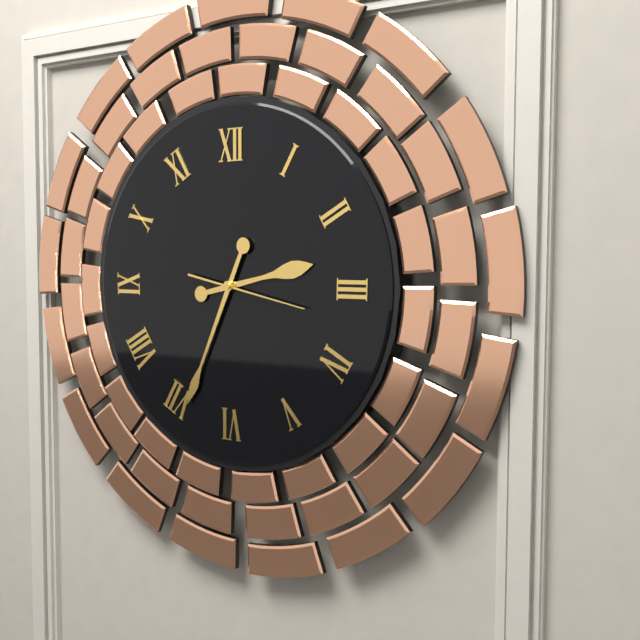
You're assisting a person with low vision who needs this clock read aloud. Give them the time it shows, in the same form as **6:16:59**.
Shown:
**2:34:17**
